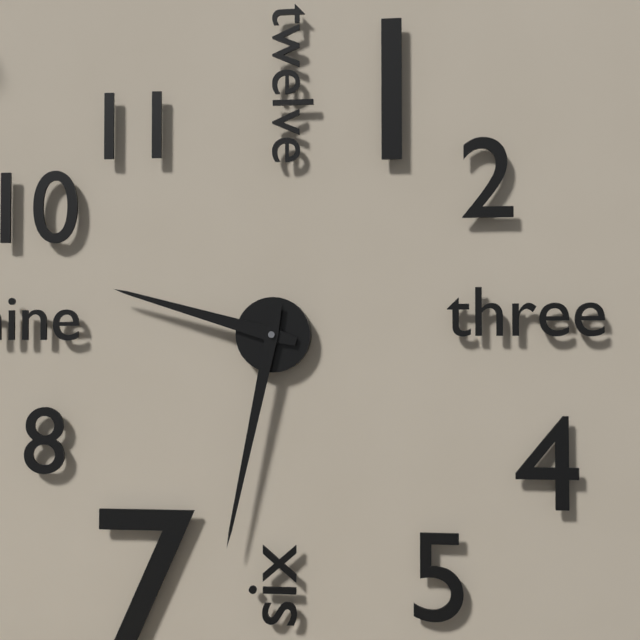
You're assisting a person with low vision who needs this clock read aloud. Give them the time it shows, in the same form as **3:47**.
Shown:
**9:32**
